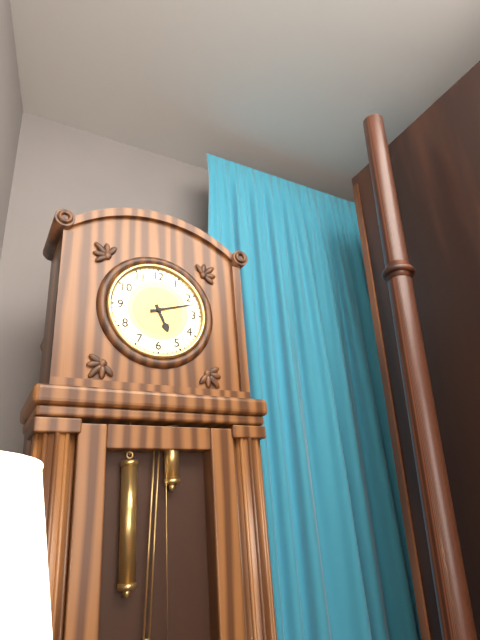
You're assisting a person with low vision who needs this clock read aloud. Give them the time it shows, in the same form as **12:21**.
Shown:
**5:12**
